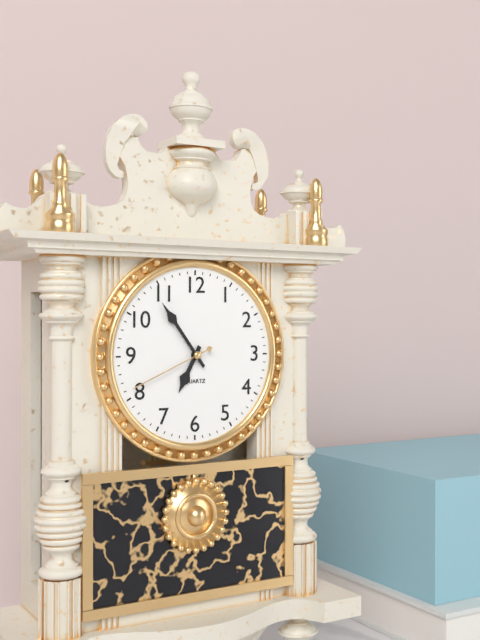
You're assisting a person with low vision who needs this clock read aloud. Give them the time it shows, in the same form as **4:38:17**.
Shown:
**6:54:41**
